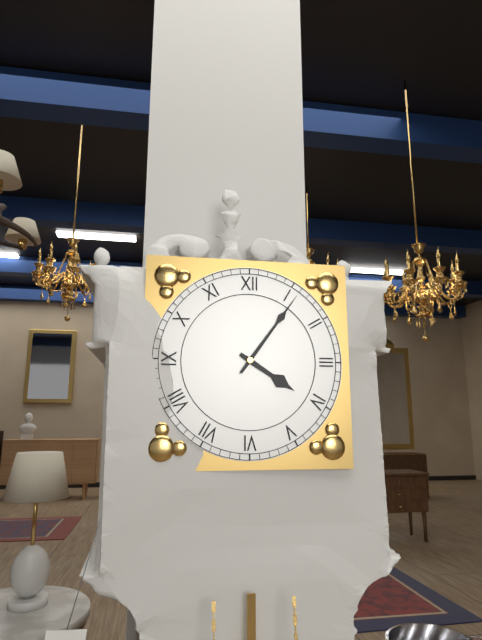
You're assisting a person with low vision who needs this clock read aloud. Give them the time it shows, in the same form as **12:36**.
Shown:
**4:06**
